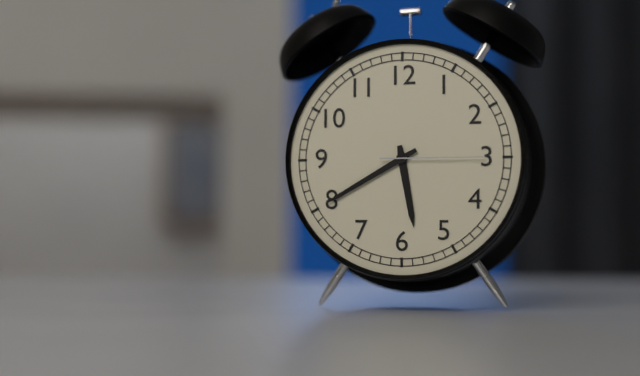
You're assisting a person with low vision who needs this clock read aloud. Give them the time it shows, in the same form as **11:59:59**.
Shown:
**5:40:15**
